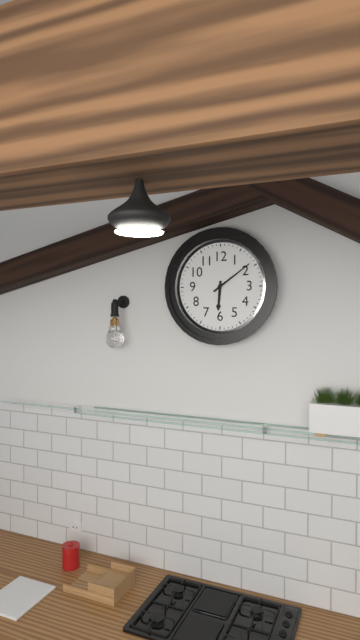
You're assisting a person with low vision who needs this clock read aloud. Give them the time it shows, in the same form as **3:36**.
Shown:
**6:09**
